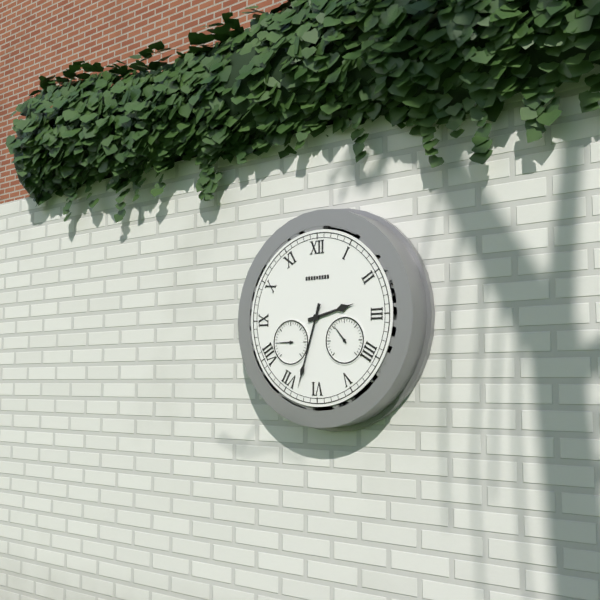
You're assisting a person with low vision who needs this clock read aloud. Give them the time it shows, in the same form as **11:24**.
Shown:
**2:33**
